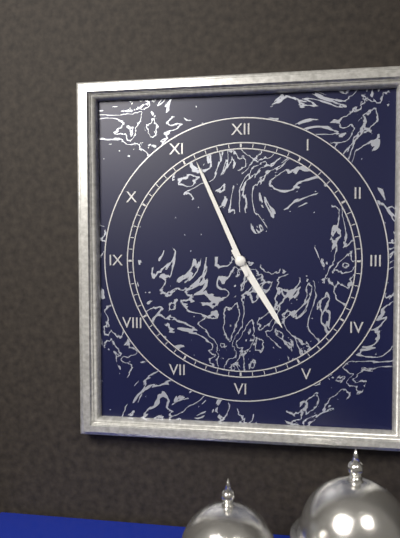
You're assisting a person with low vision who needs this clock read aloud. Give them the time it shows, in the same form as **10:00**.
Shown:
**4:56**
